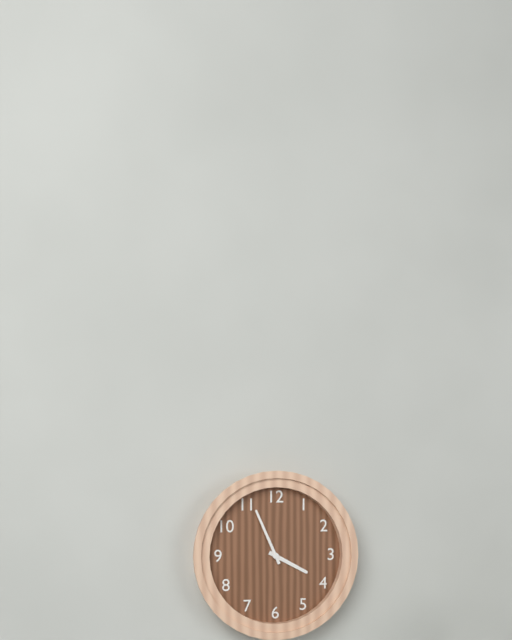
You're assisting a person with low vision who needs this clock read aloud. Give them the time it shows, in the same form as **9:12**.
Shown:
**3:56**
